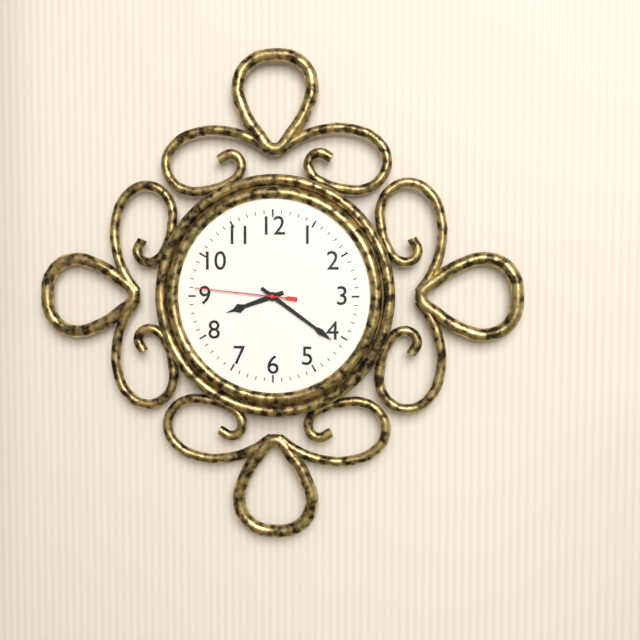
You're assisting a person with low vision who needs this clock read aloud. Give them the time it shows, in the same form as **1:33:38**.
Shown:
**8:21:46**
